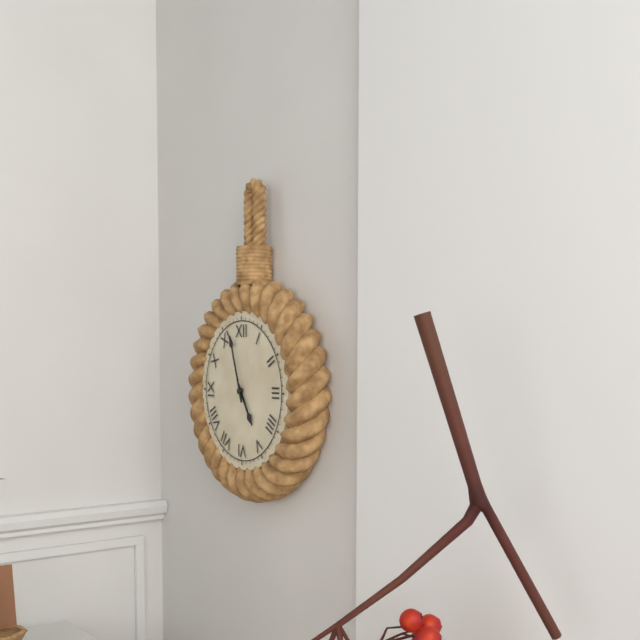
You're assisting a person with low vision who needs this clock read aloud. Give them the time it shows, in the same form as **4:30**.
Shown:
**4:57**
